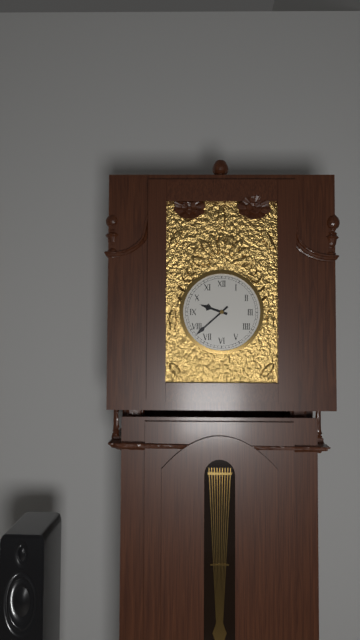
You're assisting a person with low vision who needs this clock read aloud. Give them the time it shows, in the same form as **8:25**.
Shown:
**9:38**
